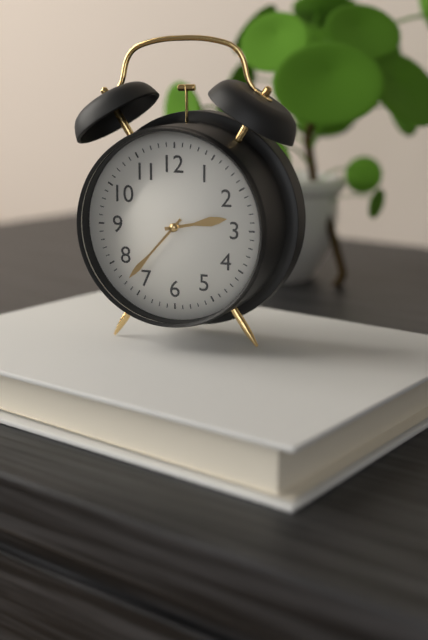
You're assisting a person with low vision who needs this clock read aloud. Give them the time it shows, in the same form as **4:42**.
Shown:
**2:37**
